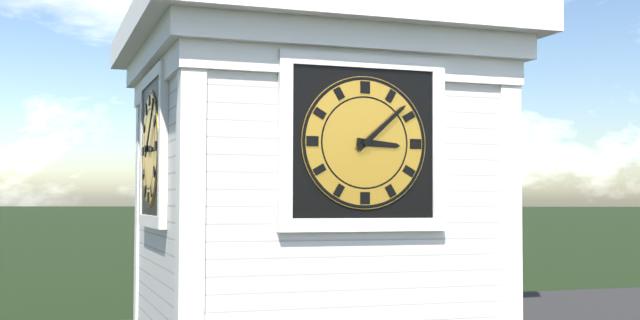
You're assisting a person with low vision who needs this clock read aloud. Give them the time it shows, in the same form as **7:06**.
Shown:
**3:08**
